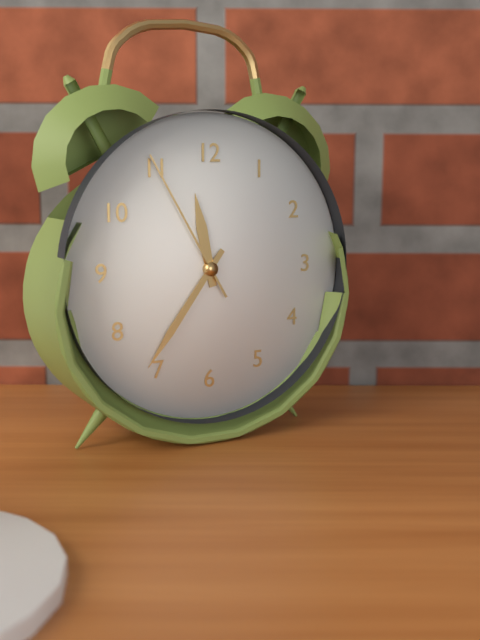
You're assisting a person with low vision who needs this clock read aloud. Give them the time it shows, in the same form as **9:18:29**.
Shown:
**11:36:55**
